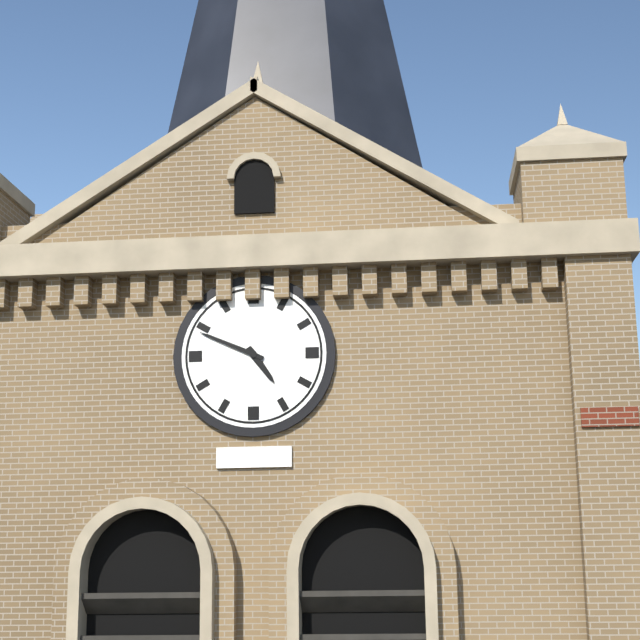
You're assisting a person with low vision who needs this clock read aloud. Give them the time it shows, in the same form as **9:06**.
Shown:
**4:49**
